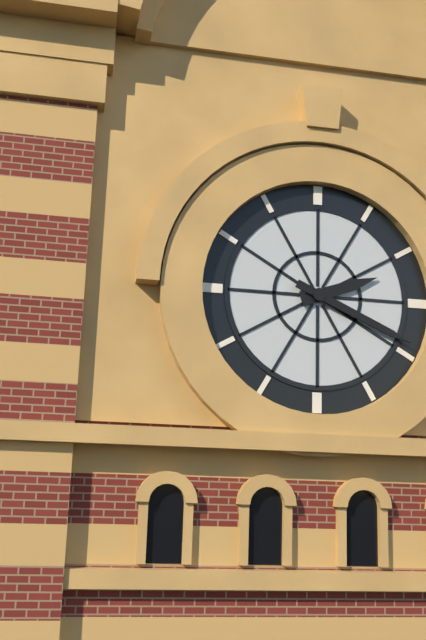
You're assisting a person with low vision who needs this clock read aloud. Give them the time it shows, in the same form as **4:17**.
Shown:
**2:19**
